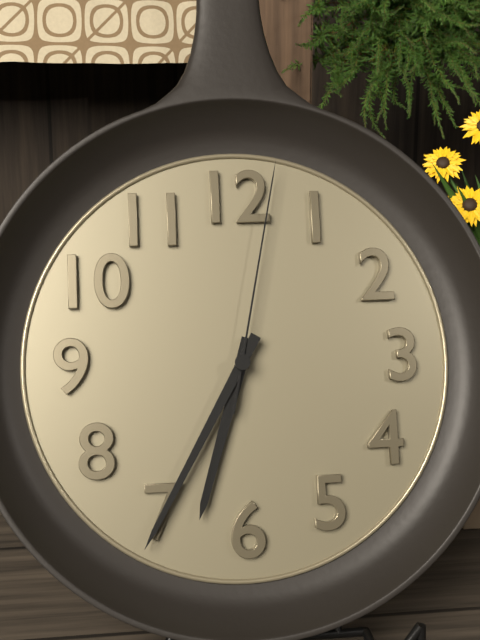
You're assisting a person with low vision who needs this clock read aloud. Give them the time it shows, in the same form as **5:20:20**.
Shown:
**6:35:02**
